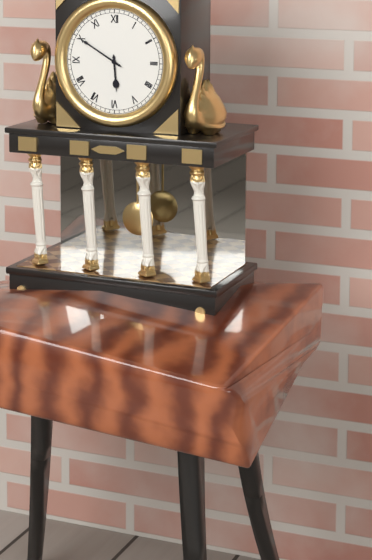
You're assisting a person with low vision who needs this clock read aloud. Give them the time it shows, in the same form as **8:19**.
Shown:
**5:50**
